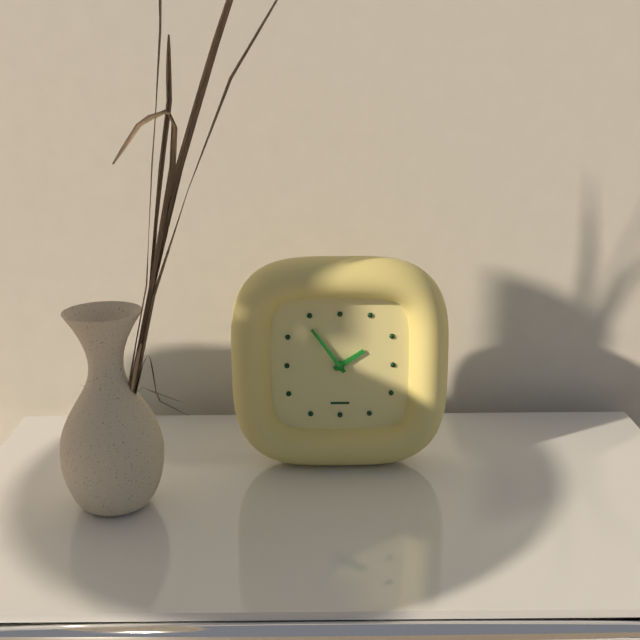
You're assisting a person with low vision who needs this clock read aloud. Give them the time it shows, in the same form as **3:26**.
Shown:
**1:54**
